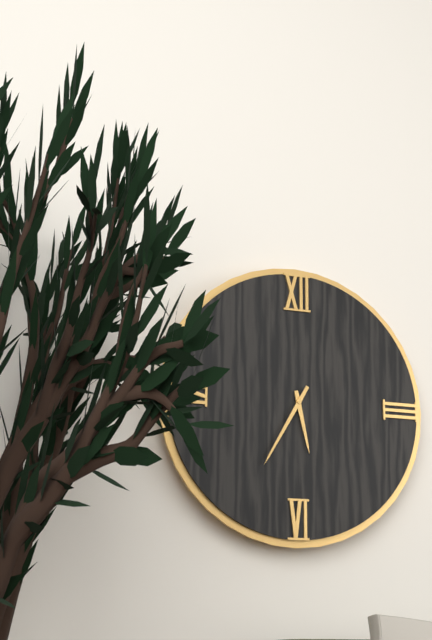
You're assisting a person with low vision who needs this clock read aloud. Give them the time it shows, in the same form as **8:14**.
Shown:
**5:35**
